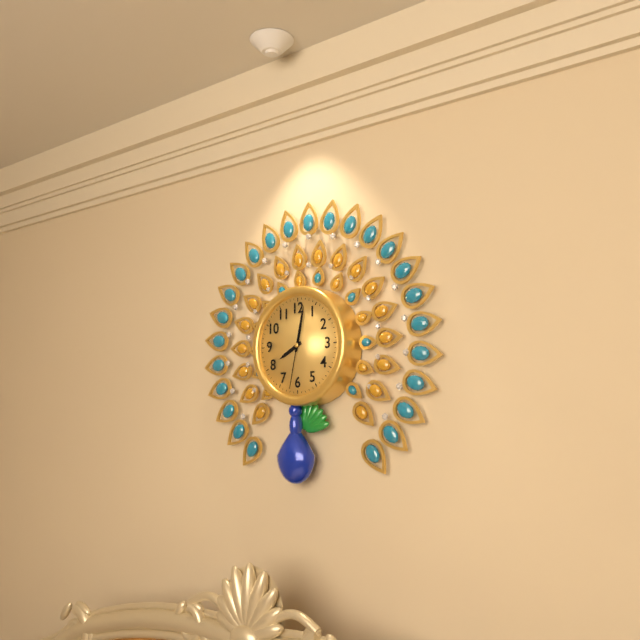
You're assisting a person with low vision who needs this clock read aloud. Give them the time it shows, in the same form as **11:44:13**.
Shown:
**8:02:32**
